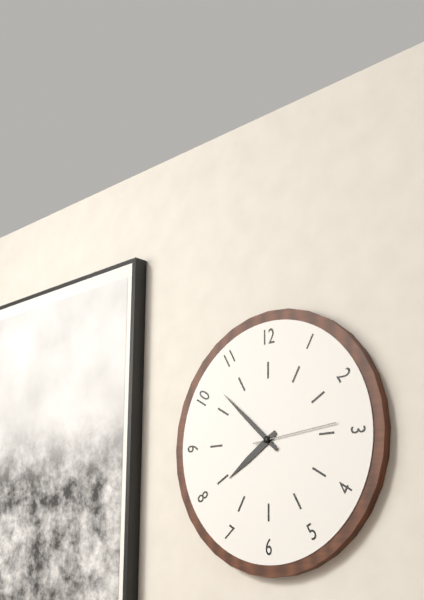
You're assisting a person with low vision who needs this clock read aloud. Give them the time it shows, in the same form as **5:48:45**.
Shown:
**7:52:14**
